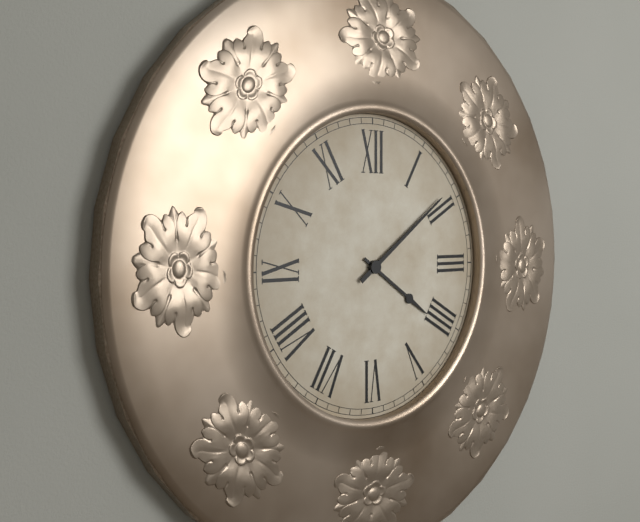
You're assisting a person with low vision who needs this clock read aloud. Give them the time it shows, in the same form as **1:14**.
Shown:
**4:09**
